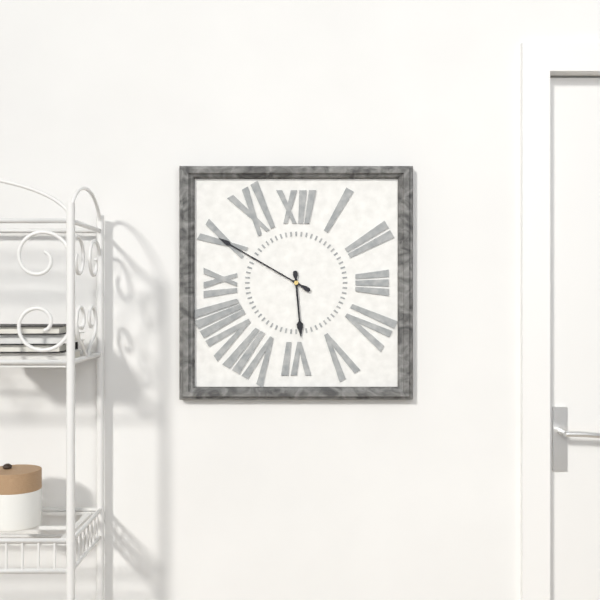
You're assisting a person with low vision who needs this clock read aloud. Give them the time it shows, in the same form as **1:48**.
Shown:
**5:50**
